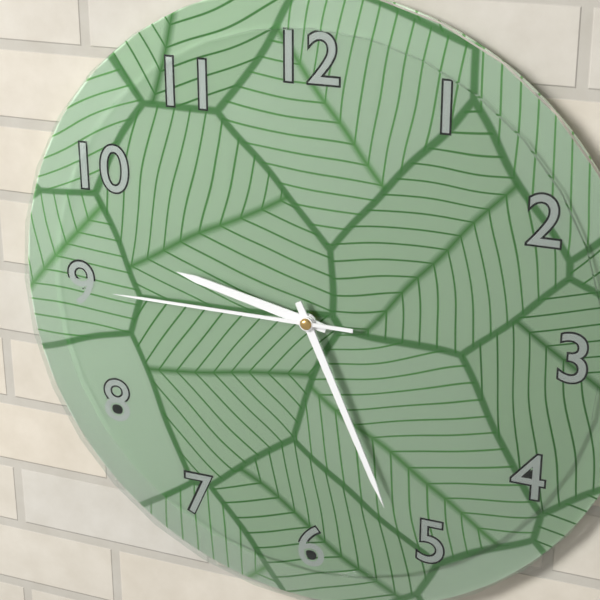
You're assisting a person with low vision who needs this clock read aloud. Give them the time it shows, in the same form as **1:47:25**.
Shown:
**9:26:45**
